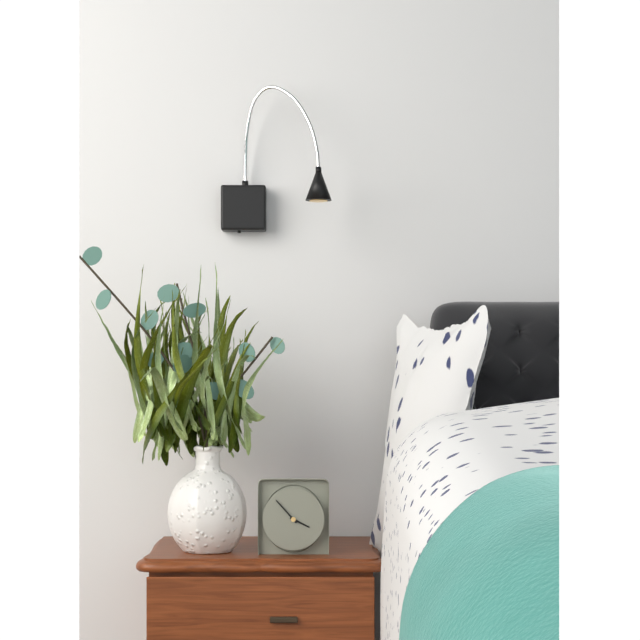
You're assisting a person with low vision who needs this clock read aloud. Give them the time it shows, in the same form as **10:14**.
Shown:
**3:53**
